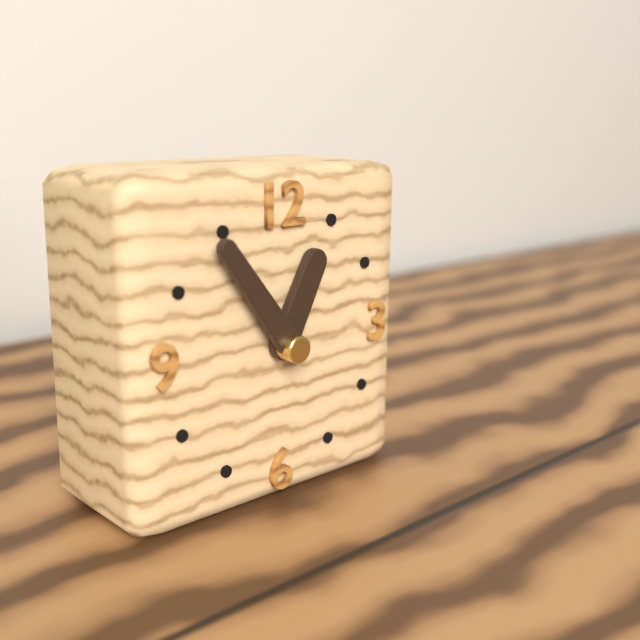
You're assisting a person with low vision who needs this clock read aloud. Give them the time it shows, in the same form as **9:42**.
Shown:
**12:54**
